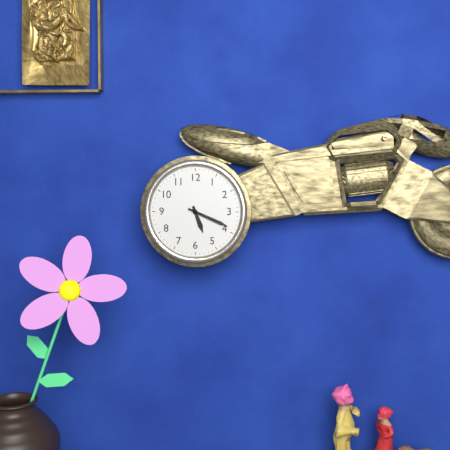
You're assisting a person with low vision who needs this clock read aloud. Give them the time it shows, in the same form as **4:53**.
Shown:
**5:19**
